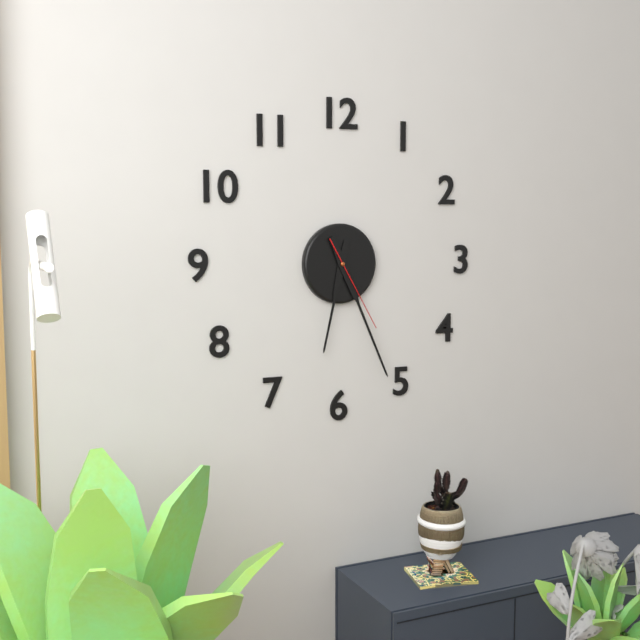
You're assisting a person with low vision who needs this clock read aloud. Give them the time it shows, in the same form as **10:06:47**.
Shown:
**6:26:25**
